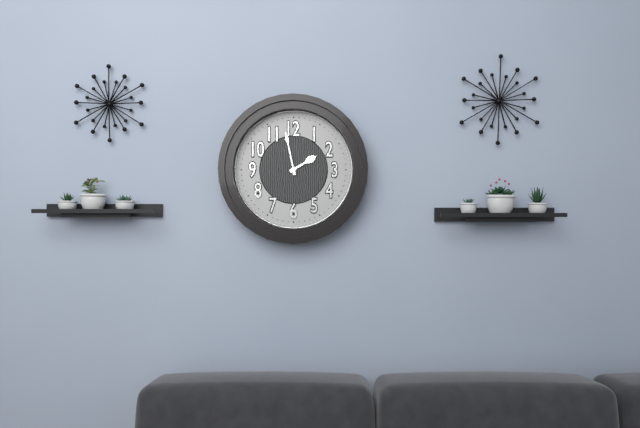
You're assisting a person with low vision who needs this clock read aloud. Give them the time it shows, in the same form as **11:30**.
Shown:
**1:58**
